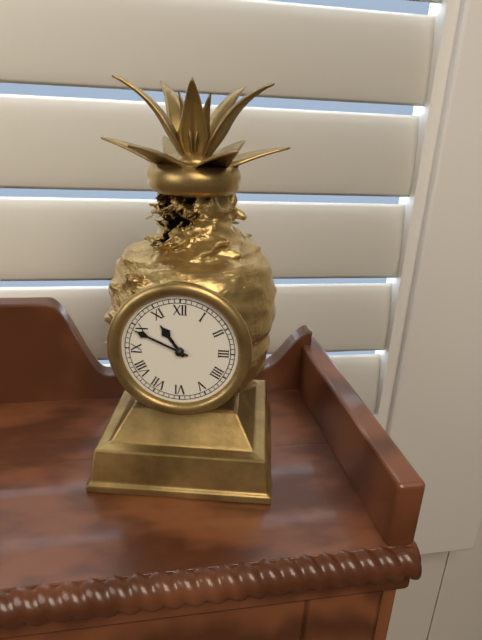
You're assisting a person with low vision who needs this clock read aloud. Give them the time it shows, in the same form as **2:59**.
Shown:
**10:49**
